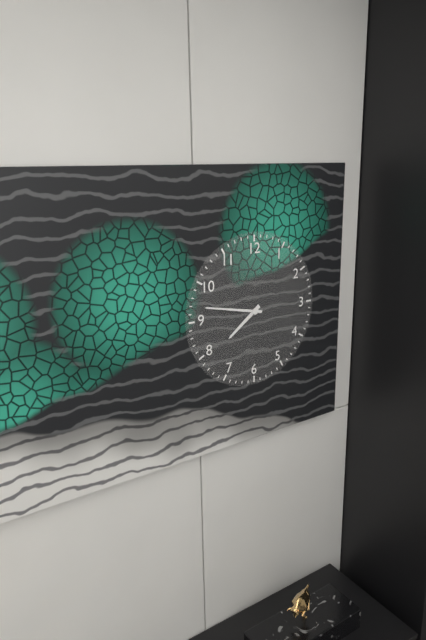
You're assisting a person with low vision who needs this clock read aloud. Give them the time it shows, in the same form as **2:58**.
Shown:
**7:47**
